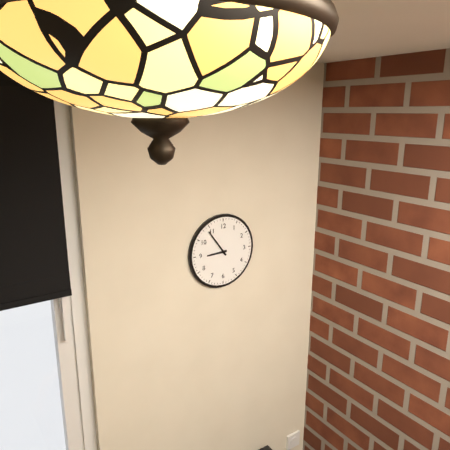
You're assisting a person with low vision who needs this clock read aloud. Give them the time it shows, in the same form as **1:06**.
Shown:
**8:54**
